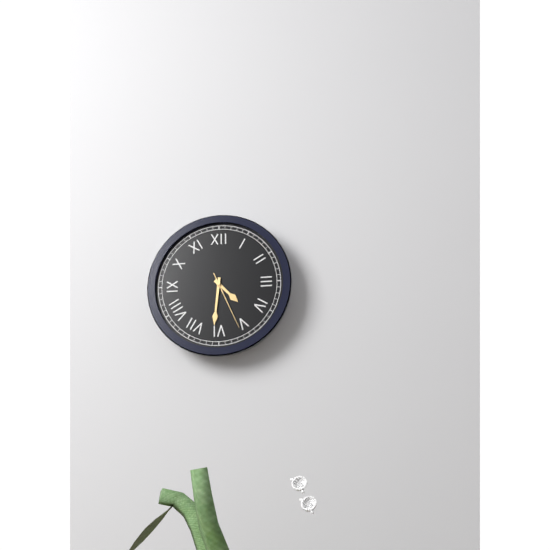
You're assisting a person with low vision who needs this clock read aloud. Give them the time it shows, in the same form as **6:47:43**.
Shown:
**4:31:26**
